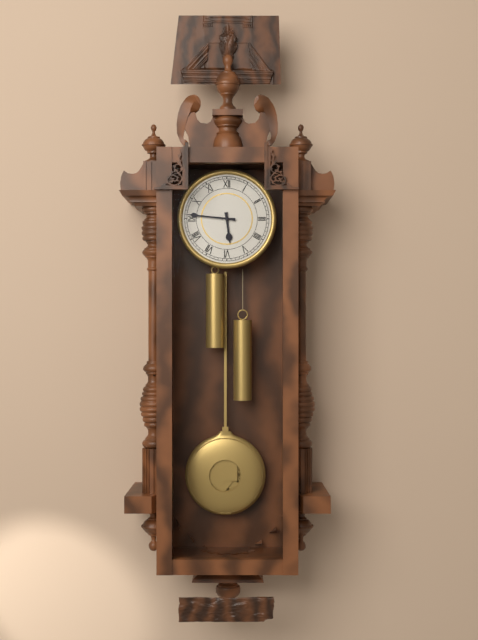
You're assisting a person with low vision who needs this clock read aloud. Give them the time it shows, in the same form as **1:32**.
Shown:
**5:46**
